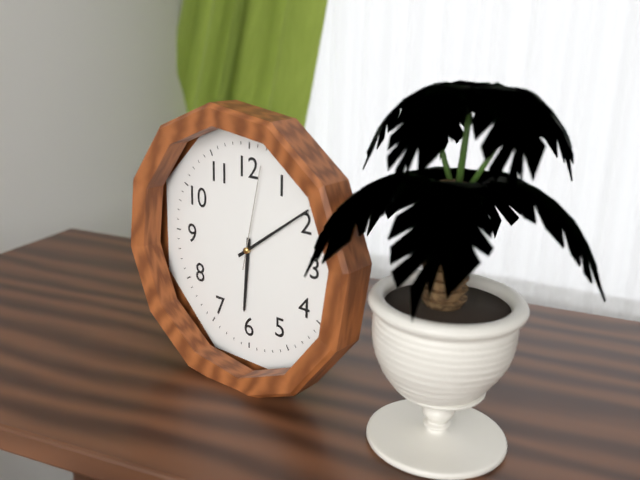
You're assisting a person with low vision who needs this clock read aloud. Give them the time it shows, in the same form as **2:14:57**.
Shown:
**6:09:02**
